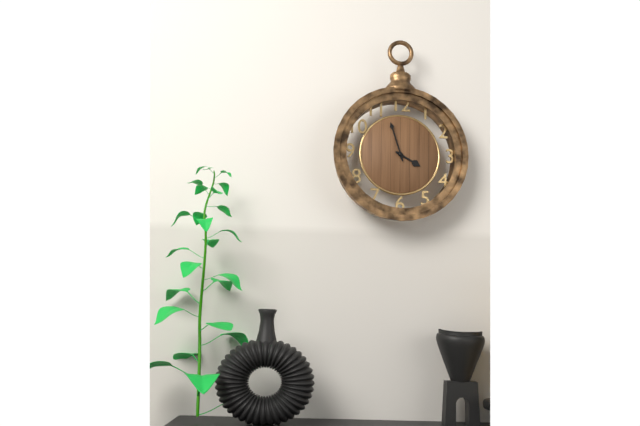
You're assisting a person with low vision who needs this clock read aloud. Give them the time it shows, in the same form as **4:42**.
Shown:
**3:57**
